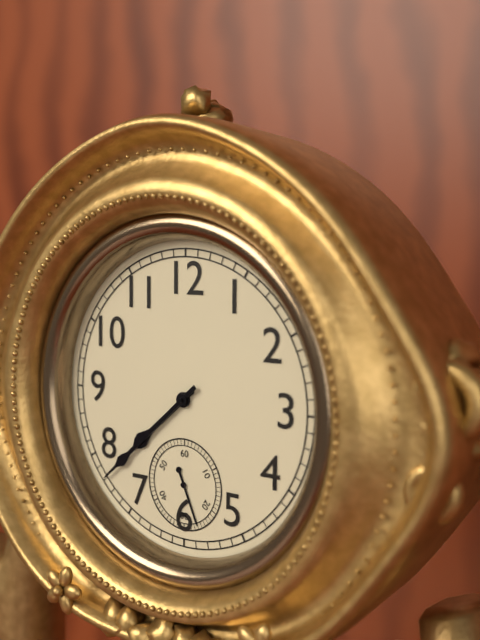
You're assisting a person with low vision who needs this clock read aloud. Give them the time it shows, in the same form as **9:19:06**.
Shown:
**7:38:26**
